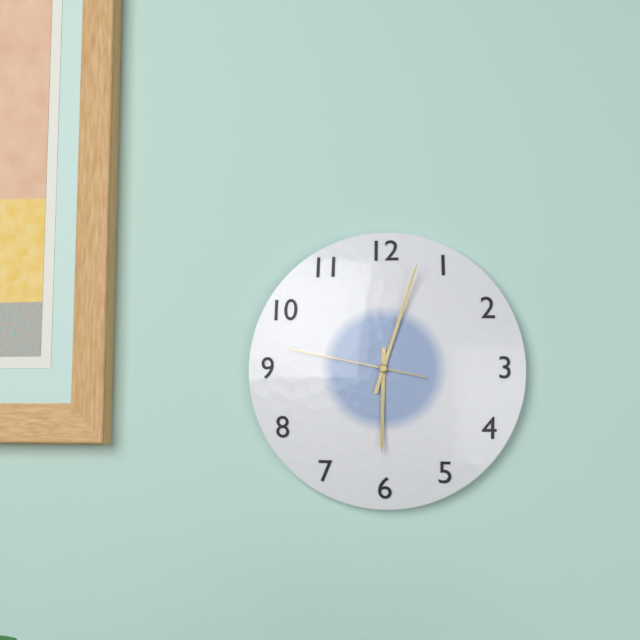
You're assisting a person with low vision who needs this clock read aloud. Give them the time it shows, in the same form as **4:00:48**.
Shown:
**6:03:47**
